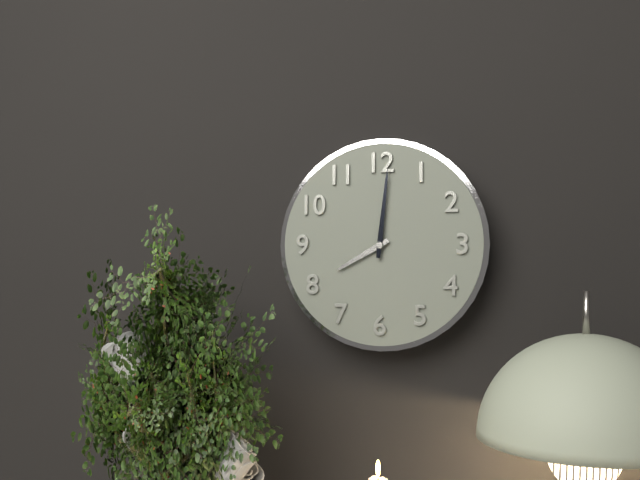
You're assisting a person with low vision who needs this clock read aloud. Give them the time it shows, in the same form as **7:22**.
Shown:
**8:01**
